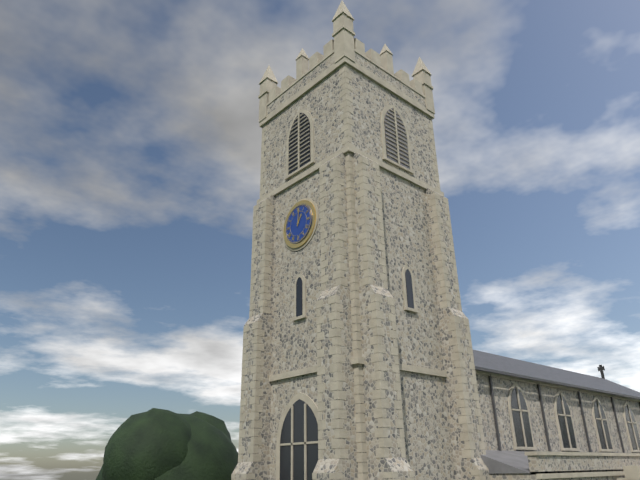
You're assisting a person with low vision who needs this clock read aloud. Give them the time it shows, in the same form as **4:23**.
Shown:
**1:01**
